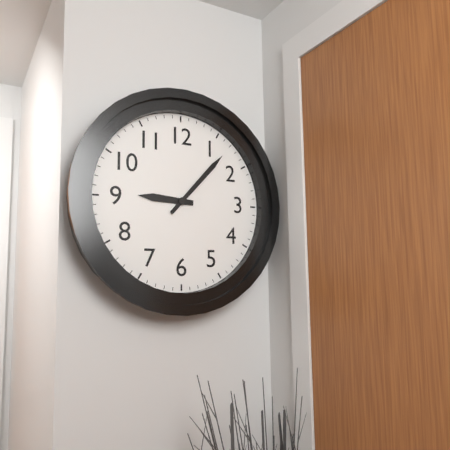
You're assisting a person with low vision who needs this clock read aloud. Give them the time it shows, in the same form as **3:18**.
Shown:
**9:07**
